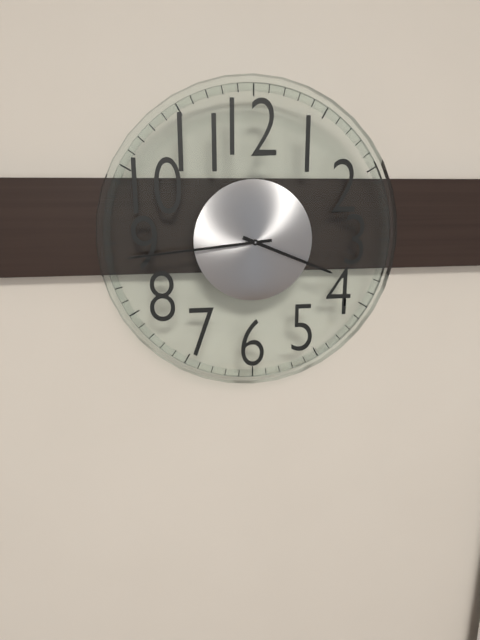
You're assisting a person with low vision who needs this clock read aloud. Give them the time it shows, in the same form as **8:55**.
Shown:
**3:44**
